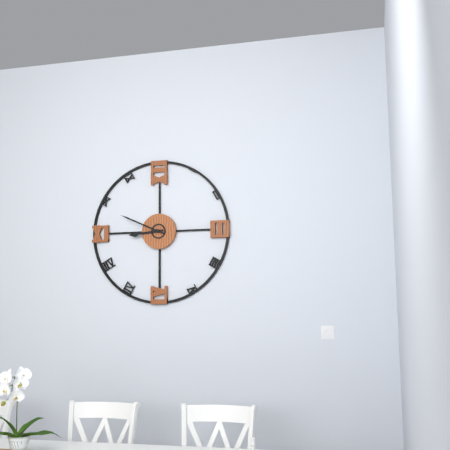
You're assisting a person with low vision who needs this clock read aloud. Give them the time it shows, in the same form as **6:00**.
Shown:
**8:49**
